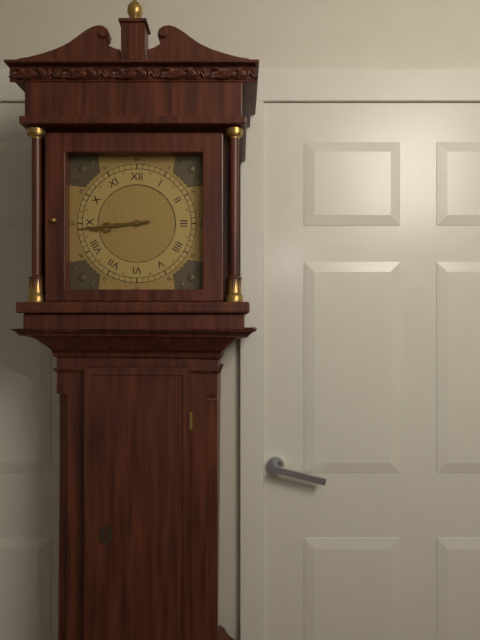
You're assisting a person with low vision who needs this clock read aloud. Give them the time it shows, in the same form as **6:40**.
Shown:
**8:44**
